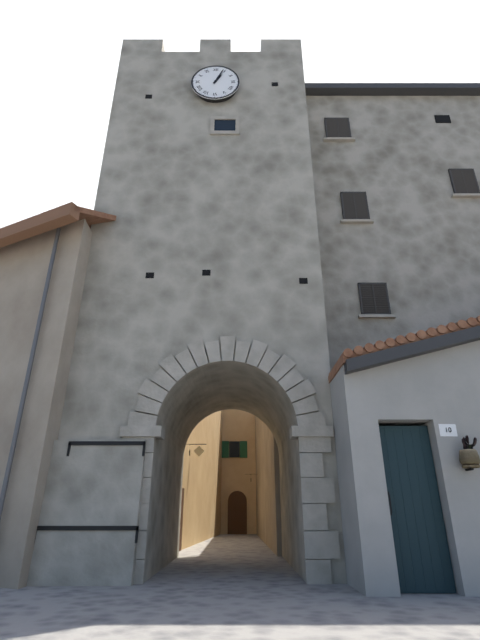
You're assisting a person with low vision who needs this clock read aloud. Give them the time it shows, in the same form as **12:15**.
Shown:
**1:04**
